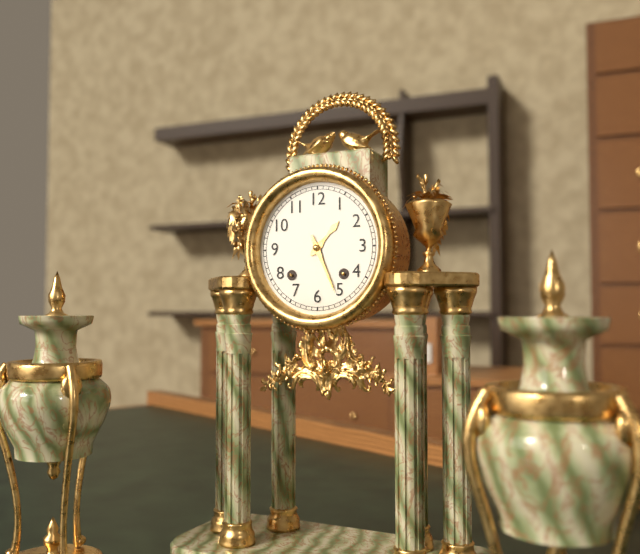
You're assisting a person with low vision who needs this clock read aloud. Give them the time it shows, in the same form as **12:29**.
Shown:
**1:26**
